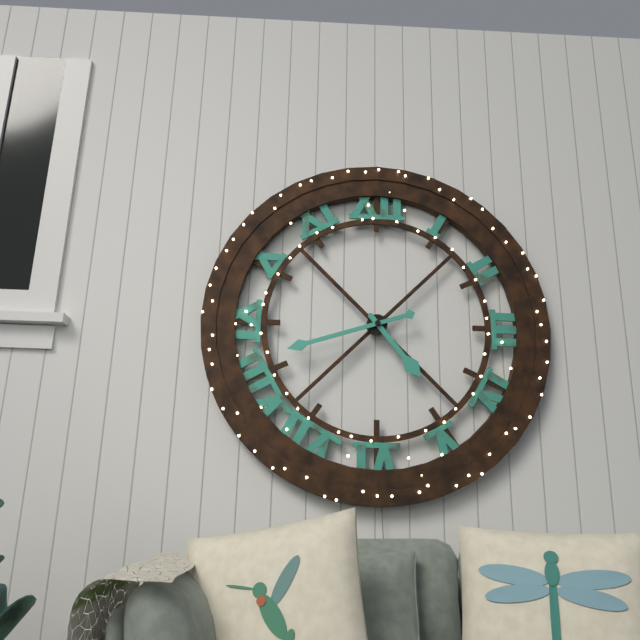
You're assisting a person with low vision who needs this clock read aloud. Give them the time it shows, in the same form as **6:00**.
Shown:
**4:42**
